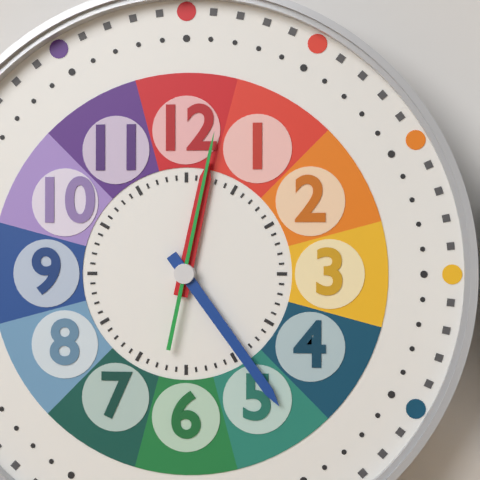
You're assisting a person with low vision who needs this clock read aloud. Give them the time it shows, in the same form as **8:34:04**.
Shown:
**12:24:02**
